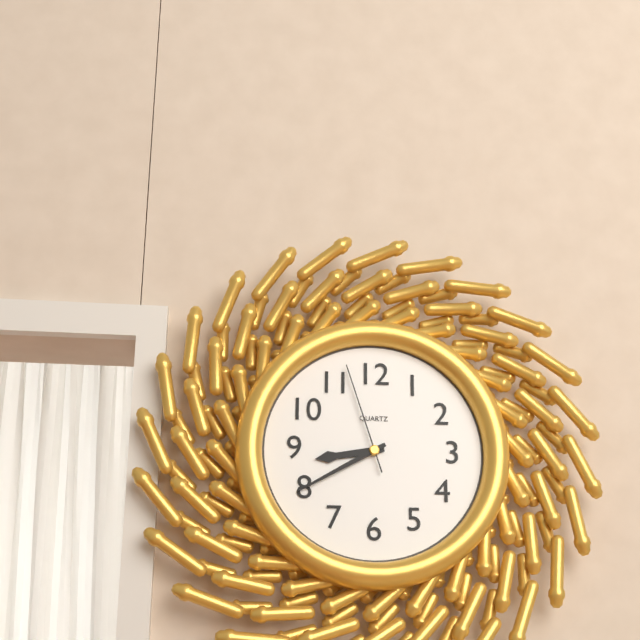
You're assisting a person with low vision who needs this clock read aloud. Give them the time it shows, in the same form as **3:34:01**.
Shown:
**8:40:57**
